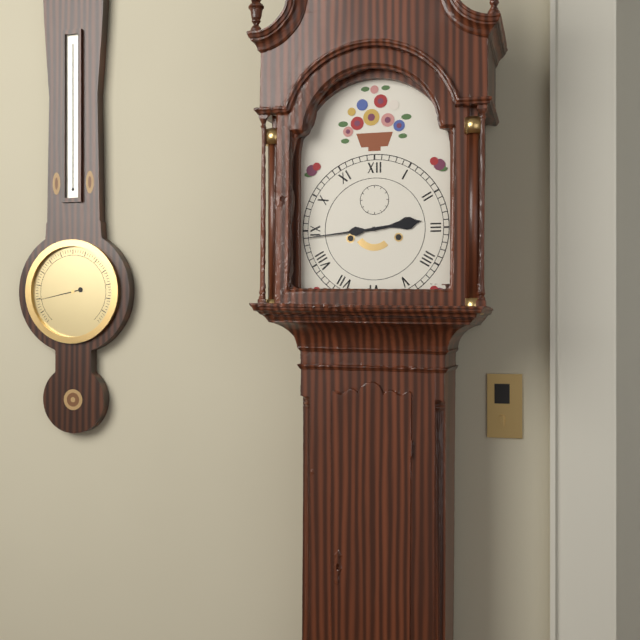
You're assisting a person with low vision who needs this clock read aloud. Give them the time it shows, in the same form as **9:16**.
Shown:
**2:44**
